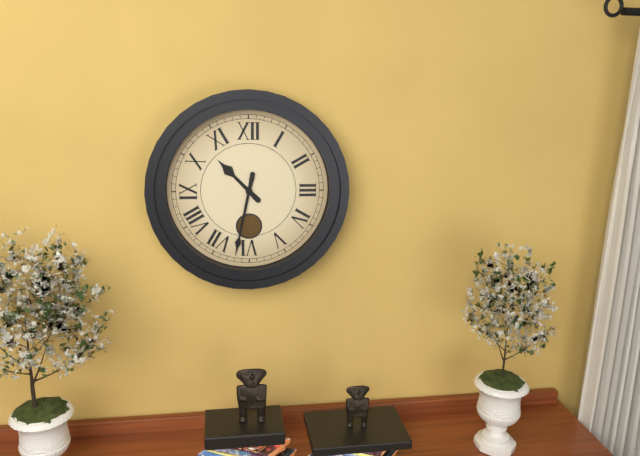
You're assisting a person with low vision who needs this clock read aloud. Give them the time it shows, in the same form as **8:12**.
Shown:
**10:32**
